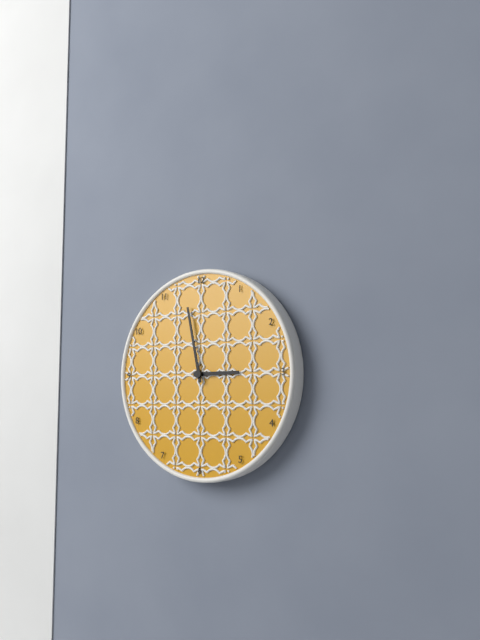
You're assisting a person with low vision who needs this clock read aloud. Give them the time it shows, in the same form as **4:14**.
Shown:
**2:58**
